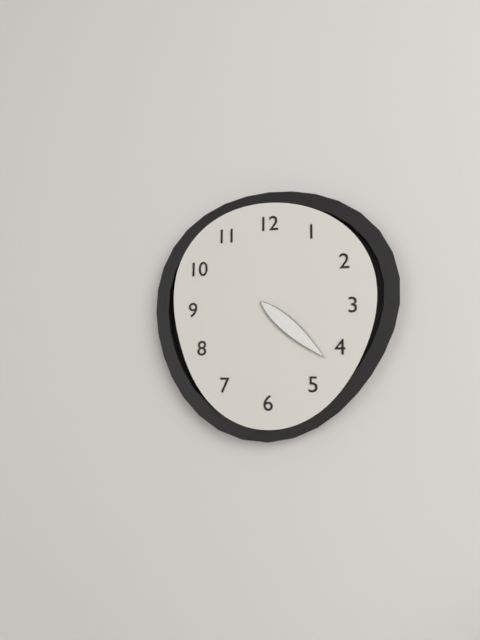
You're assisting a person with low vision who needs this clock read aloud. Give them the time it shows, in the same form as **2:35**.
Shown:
**4:22**
